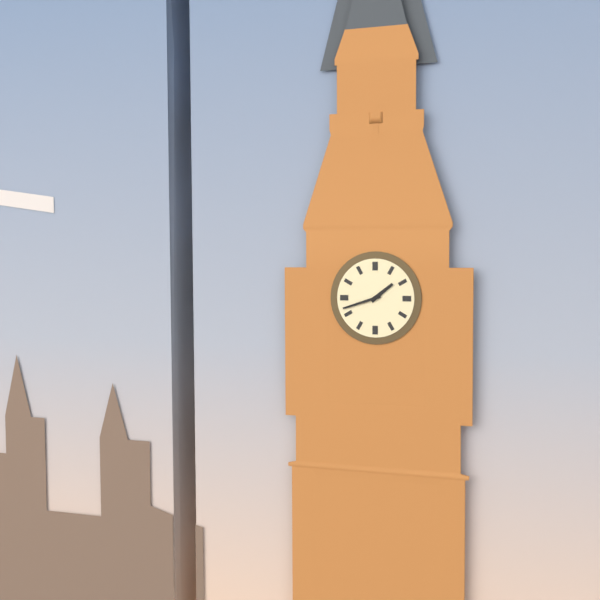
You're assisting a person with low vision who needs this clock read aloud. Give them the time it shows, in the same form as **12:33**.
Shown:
**1:42**
